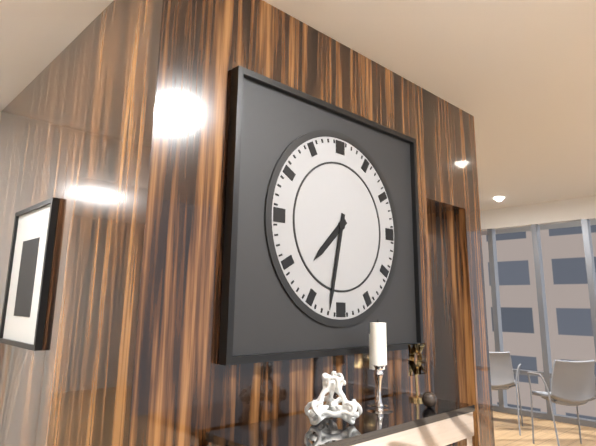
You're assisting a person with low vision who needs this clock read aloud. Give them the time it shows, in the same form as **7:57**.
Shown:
**7:32**
